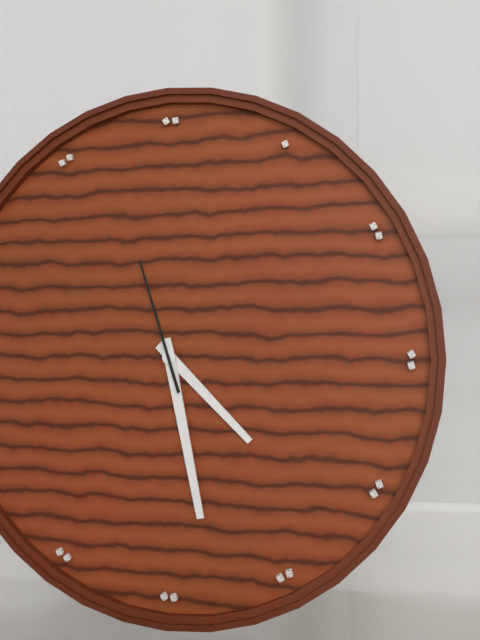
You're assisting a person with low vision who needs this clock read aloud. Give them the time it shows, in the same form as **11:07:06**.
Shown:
**4:28:57**
